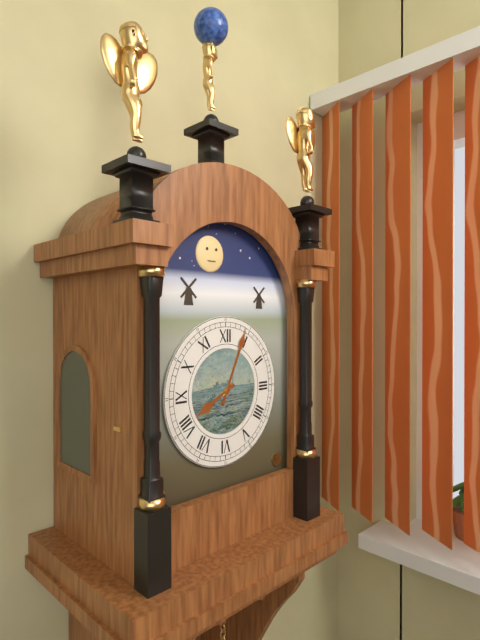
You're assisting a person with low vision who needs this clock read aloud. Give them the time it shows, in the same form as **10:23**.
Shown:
**8:04**
